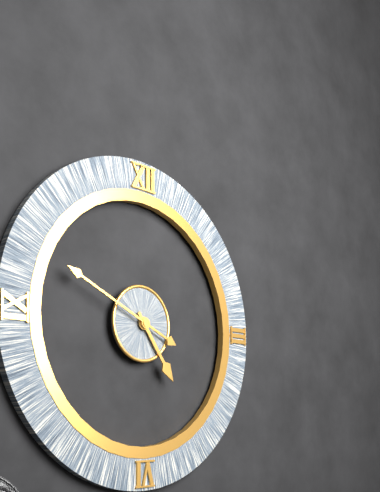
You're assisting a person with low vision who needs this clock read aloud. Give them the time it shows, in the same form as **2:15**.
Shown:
**4:49**
